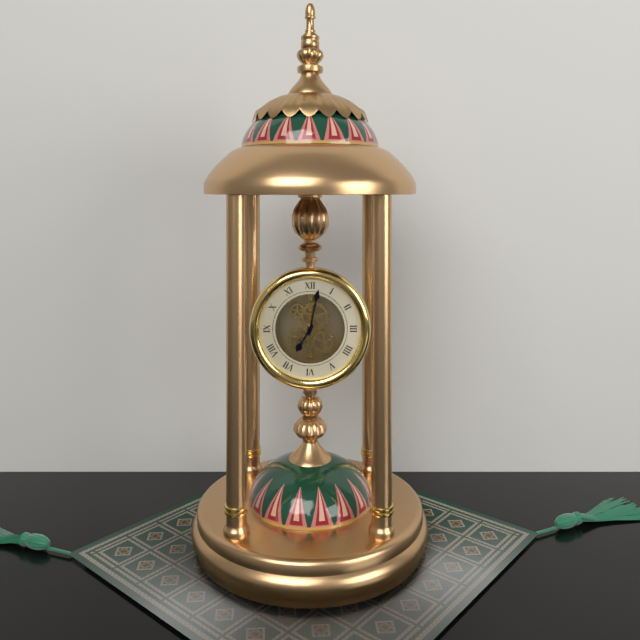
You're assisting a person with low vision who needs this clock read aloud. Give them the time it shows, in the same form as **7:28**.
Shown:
**7:02**
